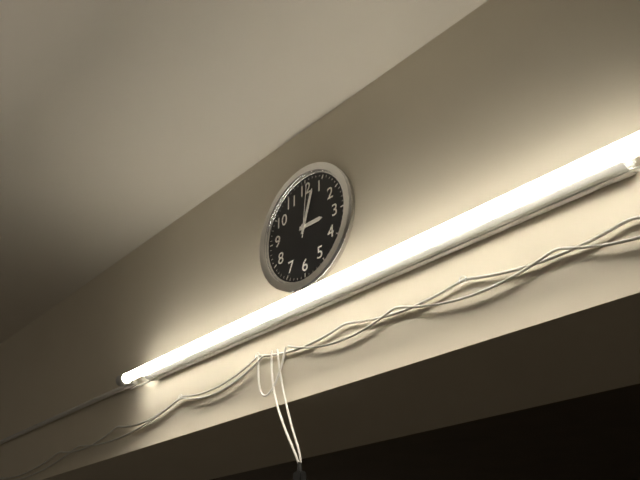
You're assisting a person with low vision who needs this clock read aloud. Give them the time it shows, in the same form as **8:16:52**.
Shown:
**3:03:01**
